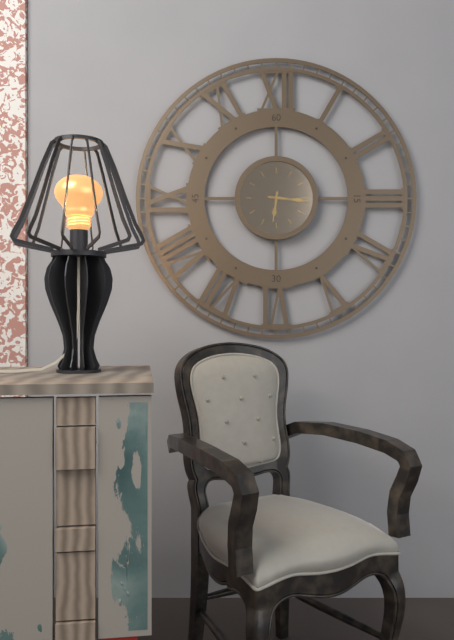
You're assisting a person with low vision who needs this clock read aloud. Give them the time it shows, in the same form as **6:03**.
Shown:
**6:16**
